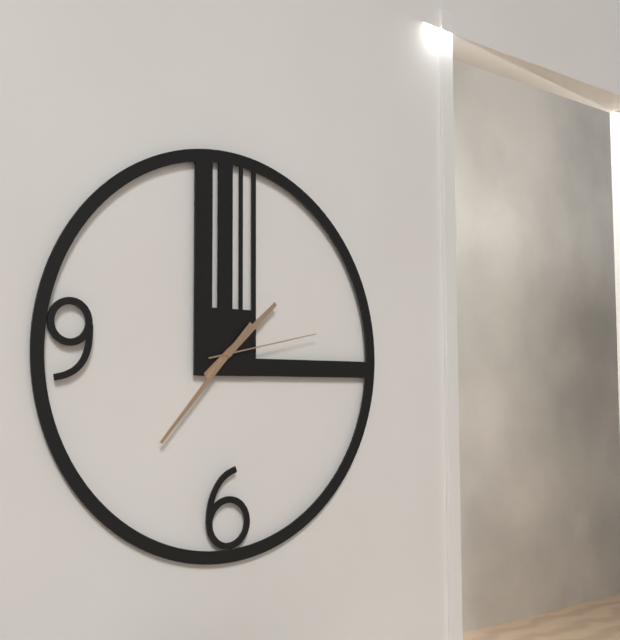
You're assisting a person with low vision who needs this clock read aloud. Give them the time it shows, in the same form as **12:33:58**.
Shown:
**1:37:13**
